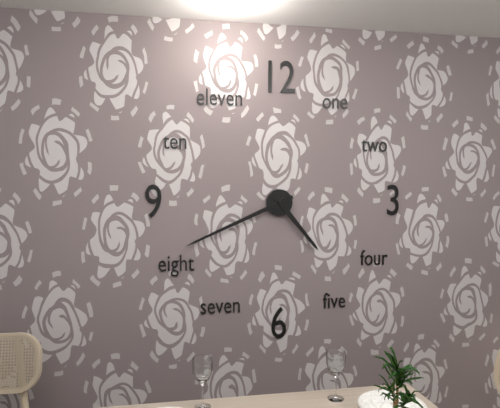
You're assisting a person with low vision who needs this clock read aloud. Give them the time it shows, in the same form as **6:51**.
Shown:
**4:41**
